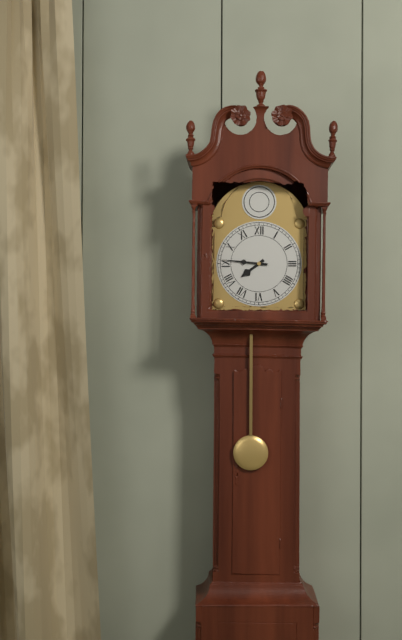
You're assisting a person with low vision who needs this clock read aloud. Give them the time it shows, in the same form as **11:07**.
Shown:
**7:46**
